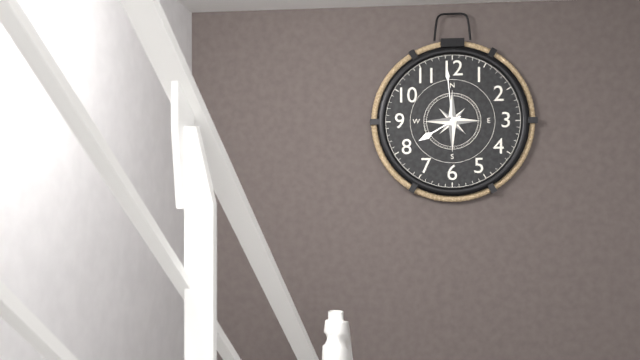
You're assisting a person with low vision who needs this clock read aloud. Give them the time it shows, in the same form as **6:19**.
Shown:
**7:59**
